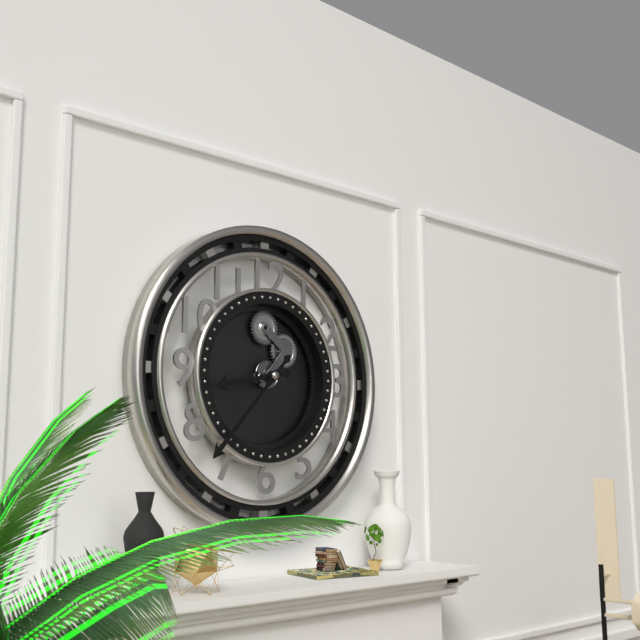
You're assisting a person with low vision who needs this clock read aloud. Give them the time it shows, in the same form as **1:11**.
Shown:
**8:37**
